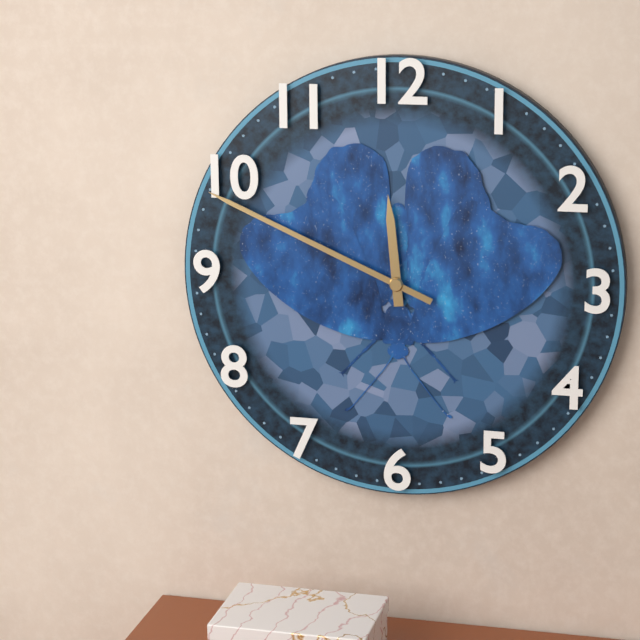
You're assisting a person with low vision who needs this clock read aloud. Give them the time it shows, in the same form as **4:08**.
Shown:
**11:49**
